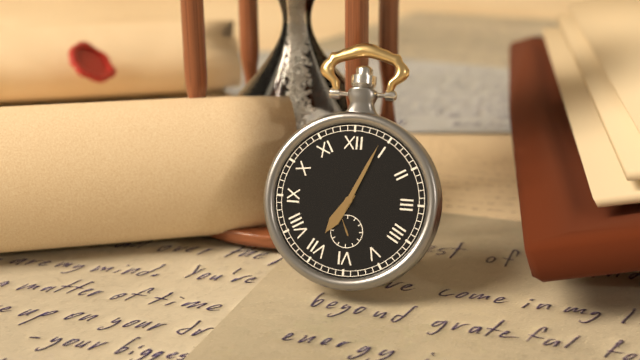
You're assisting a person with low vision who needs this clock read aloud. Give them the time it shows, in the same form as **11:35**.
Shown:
**7:04**
